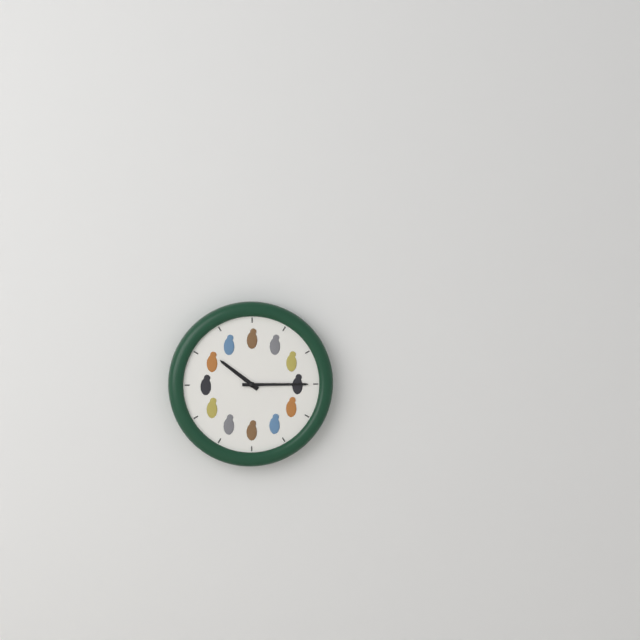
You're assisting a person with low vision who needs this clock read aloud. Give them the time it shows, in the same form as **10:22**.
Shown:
**10:15**
